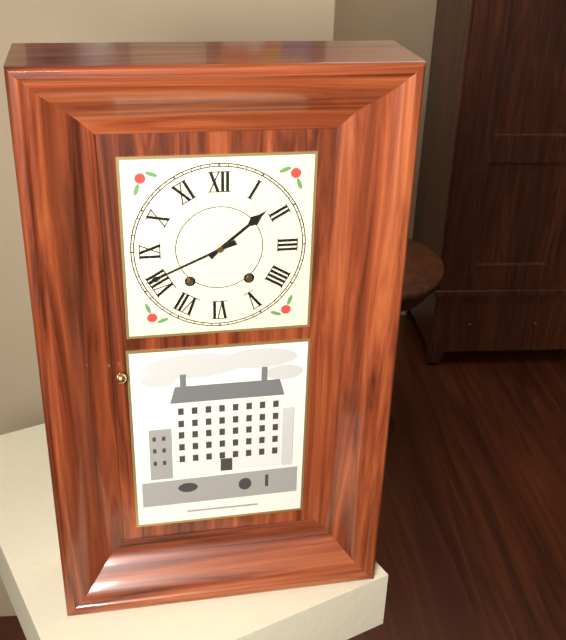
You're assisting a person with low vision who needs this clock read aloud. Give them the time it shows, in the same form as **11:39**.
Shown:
**1:41**
